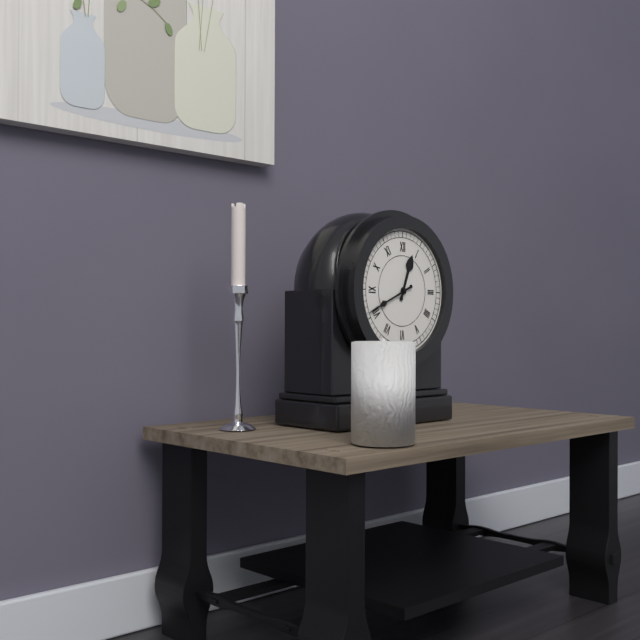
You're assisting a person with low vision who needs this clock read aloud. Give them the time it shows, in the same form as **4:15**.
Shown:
**12:41**
